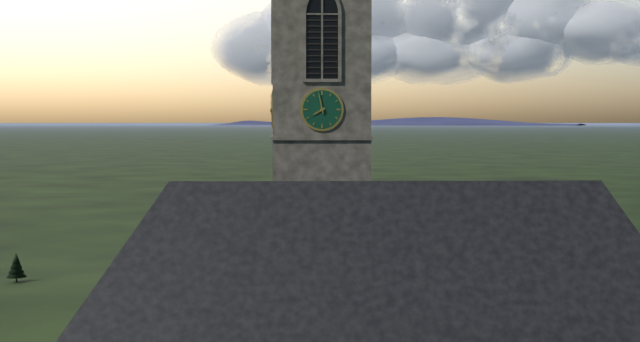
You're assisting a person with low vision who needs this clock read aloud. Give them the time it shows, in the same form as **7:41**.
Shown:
**7:58**
